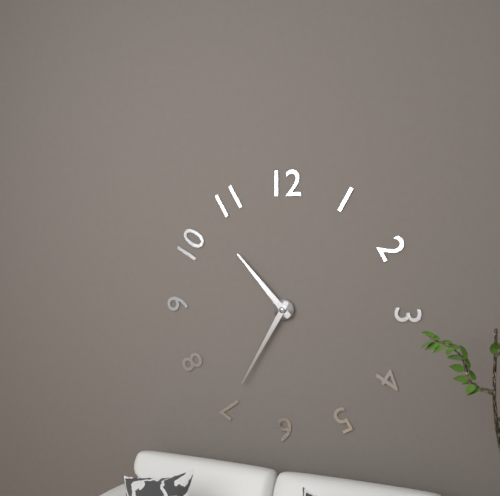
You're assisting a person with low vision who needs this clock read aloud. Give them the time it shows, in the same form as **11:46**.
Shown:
**10:35**
